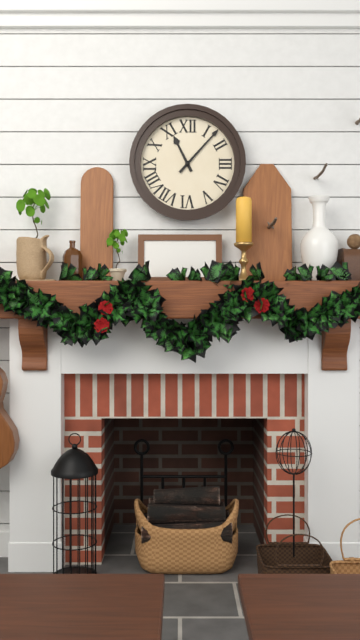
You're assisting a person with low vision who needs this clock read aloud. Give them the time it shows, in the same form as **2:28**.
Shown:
**11:07**
